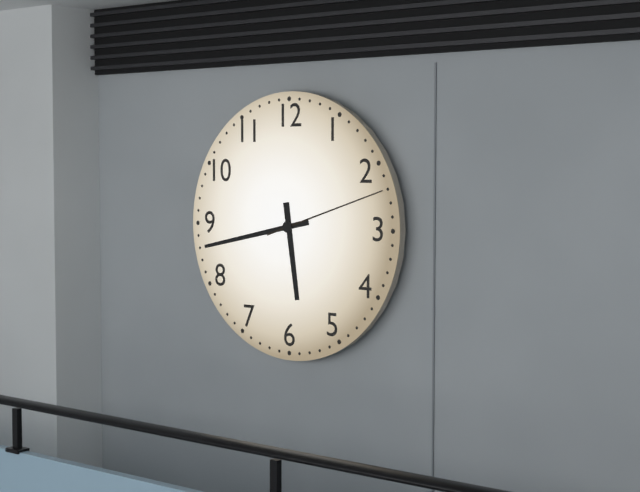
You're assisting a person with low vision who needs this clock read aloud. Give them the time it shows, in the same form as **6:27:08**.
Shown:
**5:43:12**
